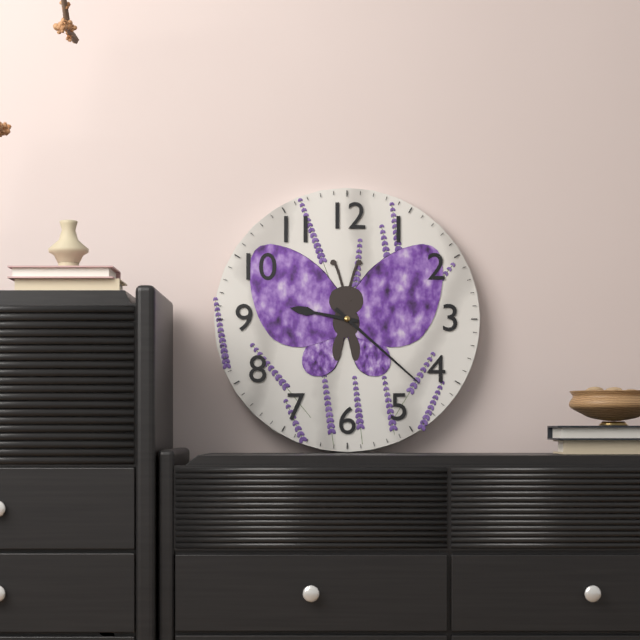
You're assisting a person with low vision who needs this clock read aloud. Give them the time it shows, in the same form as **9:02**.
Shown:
**9:22**
